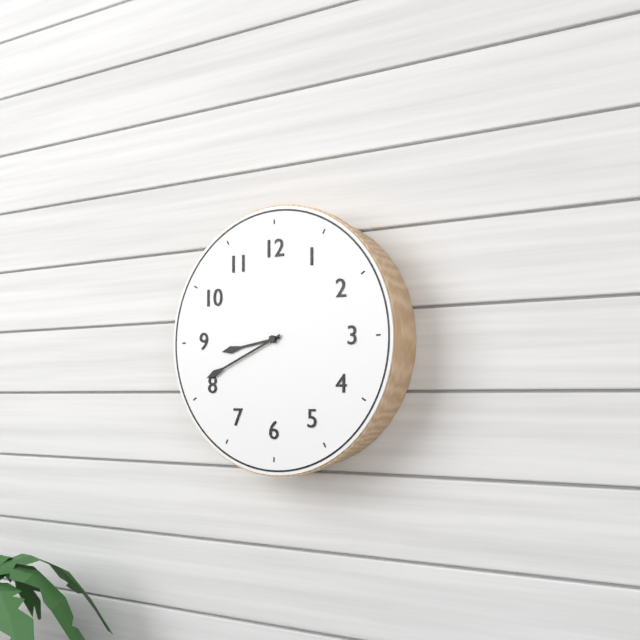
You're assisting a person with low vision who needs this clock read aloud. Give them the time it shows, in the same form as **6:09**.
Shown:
**8:41**
